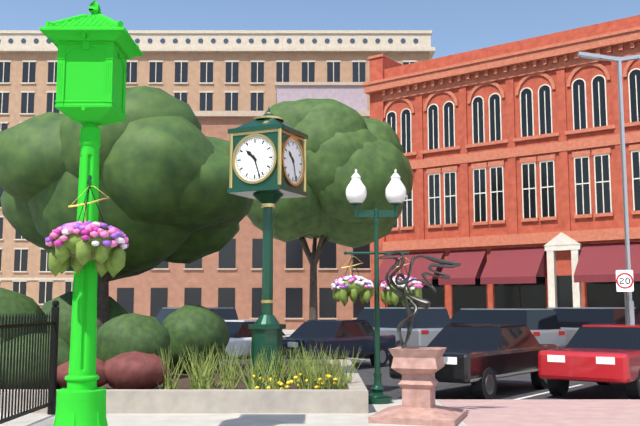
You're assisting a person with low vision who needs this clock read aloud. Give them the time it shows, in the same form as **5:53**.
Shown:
**10:27**
